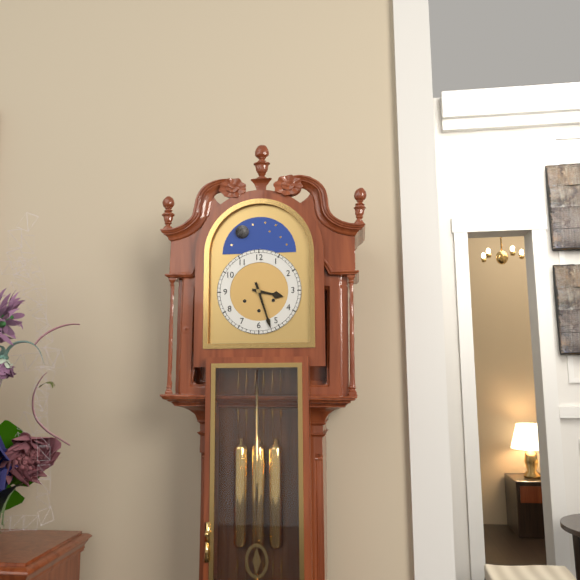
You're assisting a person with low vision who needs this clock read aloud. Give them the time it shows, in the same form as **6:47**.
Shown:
**3:27**
